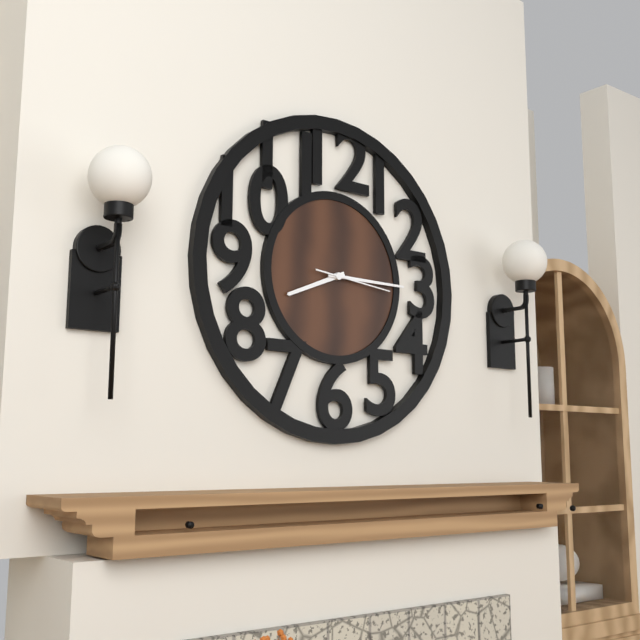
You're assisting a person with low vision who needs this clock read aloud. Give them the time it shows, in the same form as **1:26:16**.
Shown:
**8:15:16**
